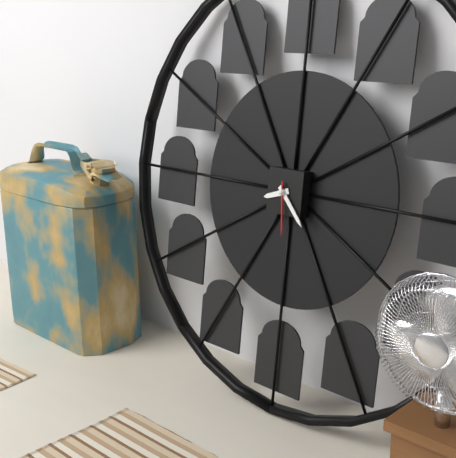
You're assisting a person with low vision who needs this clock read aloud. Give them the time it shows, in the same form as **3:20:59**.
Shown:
**8:23:29**
